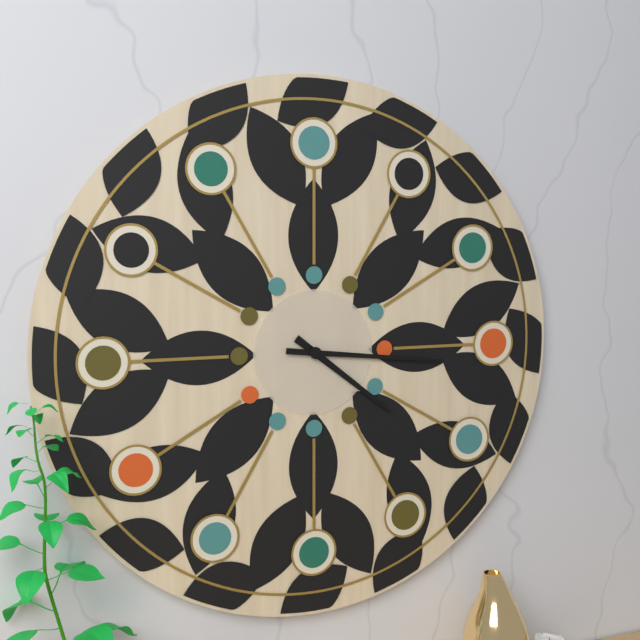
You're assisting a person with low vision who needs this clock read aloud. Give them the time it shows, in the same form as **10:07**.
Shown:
**4:16**
